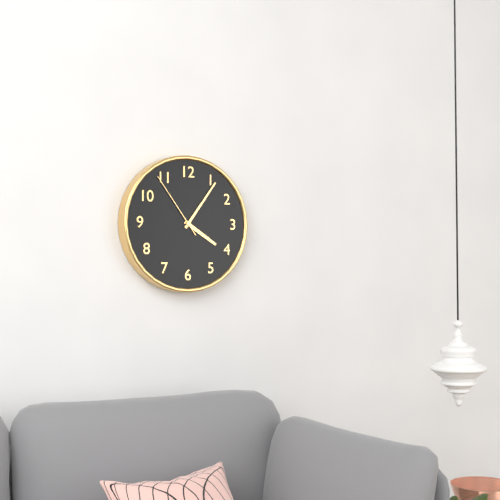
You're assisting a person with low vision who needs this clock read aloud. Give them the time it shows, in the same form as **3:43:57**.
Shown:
**4:06:54**
